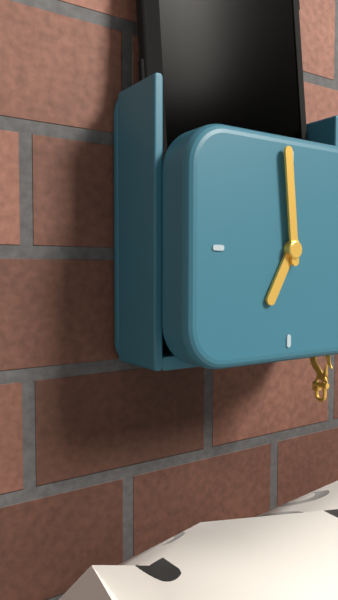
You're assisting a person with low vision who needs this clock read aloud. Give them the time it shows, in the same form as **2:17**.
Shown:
**6:59**
